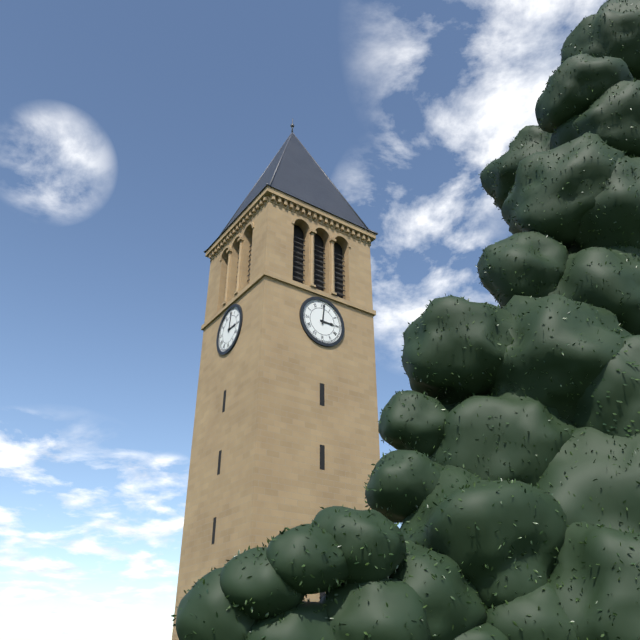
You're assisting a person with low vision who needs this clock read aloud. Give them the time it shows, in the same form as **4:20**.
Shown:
**3:01**
